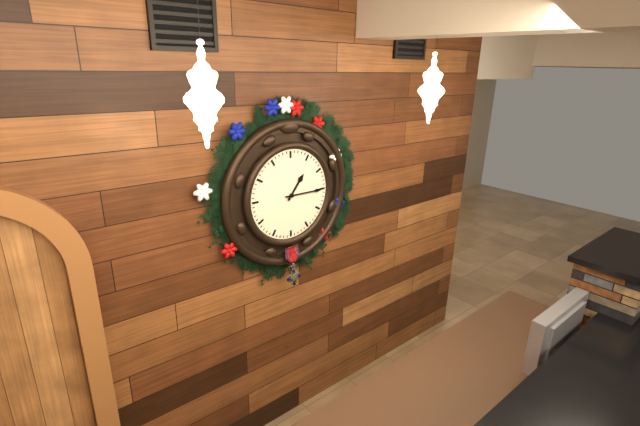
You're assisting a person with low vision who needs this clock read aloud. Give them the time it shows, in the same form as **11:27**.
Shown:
**1:15**
